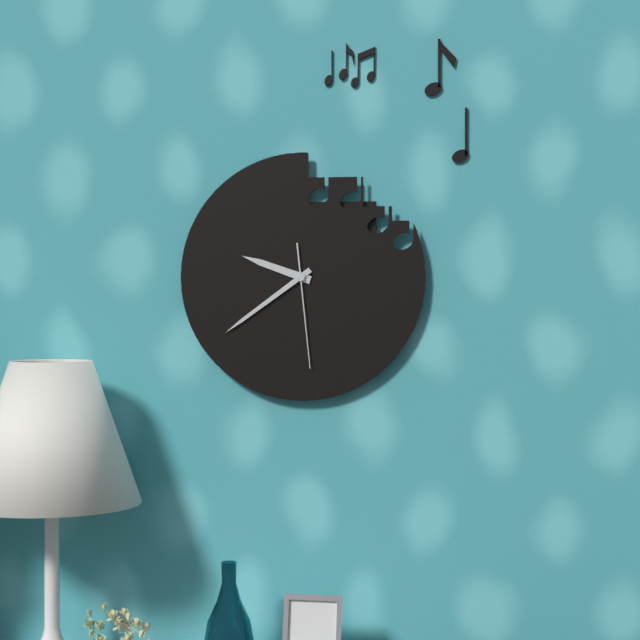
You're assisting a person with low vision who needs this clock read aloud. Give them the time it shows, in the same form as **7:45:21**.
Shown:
**9:39:29**
